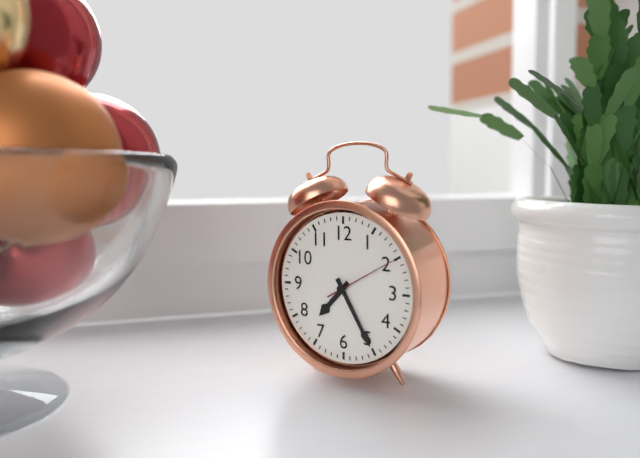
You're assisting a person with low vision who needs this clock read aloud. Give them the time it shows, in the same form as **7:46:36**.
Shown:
**7:25:10**
